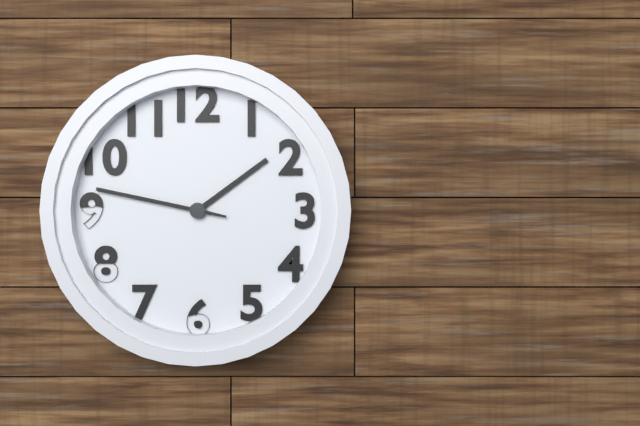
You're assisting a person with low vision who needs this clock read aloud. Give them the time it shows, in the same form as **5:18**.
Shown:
**1:47**
